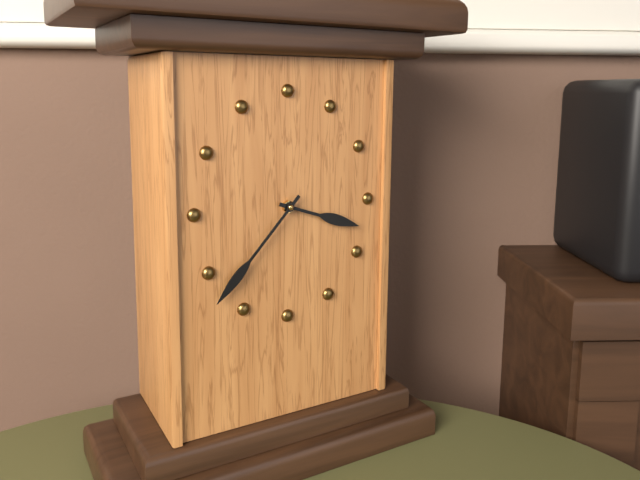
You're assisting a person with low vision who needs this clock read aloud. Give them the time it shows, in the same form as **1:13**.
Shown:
**3:37**
